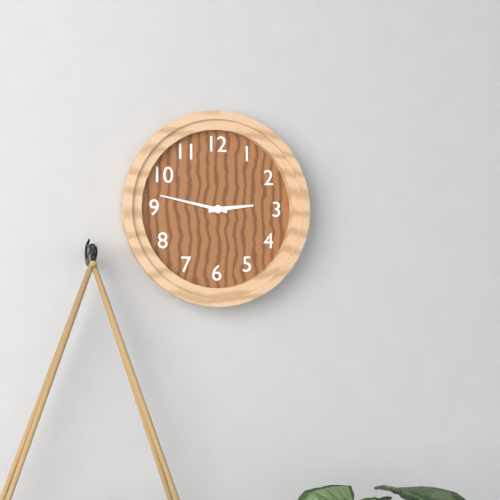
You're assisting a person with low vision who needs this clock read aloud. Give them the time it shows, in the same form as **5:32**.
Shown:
**2:47**
